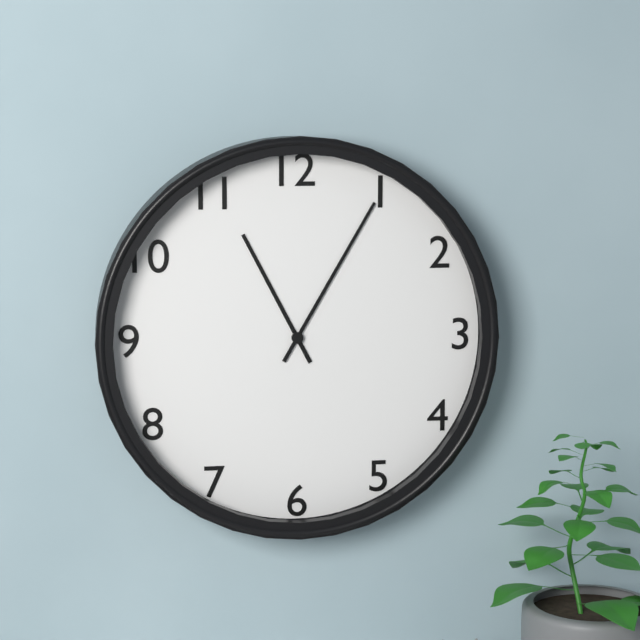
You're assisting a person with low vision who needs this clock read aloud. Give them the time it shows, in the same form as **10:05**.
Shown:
**11:05**
